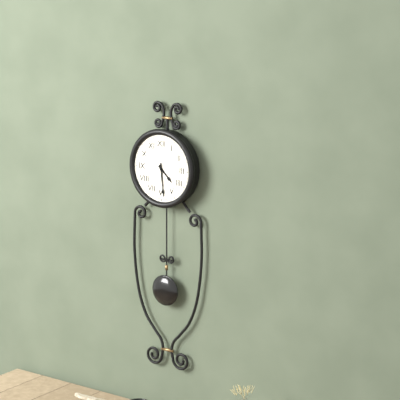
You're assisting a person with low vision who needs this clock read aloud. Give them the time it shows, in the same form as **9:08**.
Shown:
**4:29**
